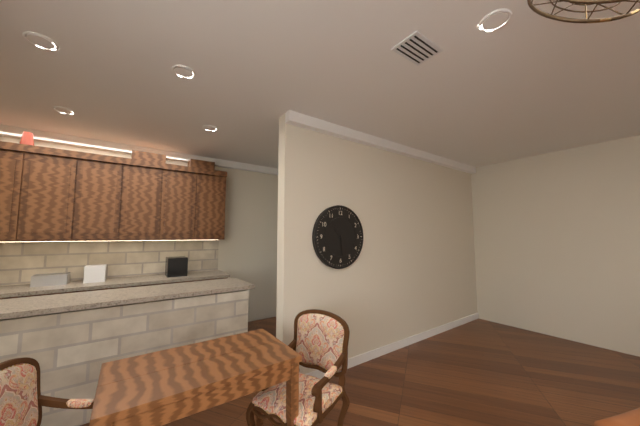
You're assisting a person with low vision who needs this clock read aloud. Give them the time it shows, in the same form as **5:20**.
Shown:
**10:29**
